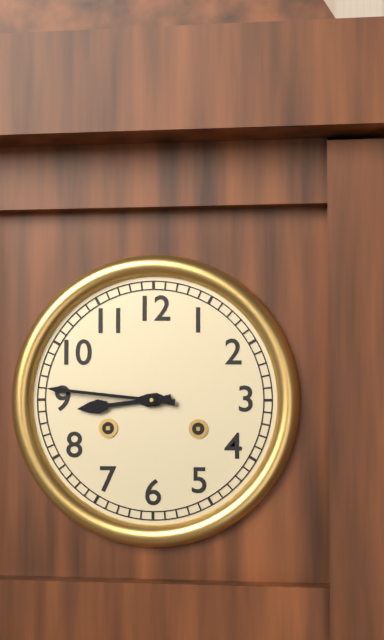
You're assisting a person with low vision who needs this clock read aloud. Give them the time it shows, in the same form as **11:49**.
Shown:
**8:46**
